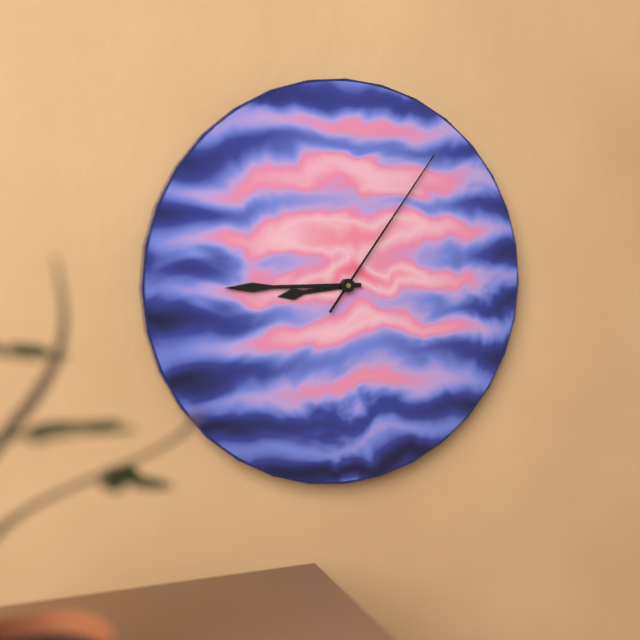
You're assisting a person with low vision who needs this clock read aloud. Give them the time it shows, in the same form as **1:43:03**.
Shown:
**8:45:06**
